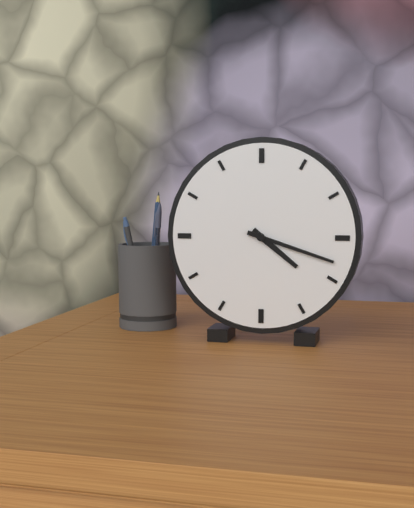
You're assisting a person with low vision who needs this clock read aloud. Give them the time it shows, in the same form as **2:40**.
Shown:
**4:18**
